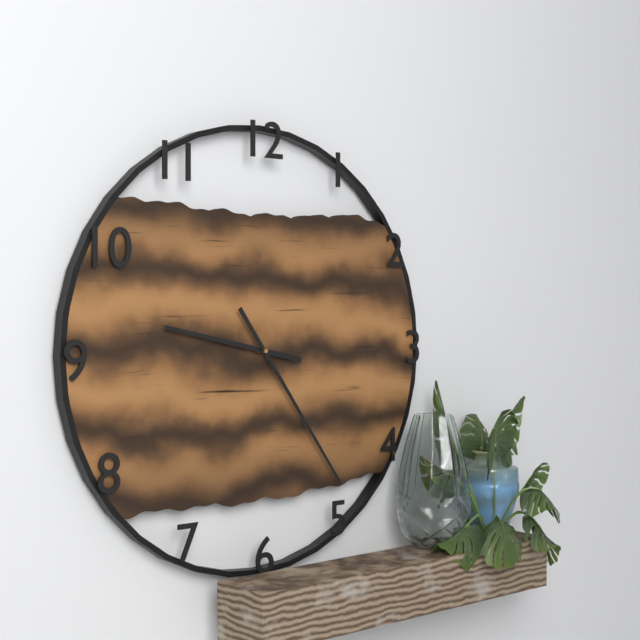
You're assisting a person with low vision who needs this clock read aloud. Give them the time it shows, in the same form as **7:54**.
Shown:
**9:24**
